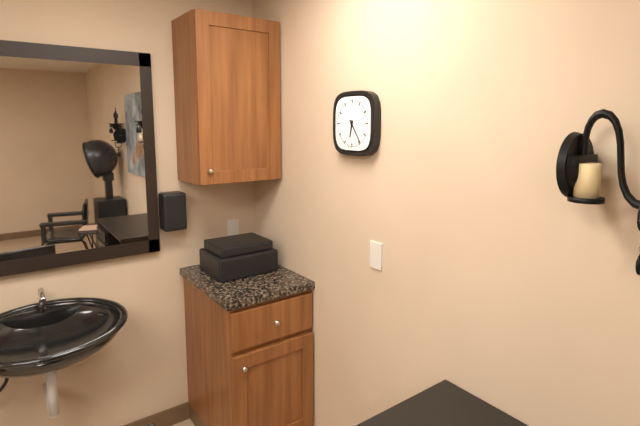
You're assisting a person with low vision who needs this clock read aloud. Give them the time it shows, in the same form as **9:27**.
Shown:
**6:24**
